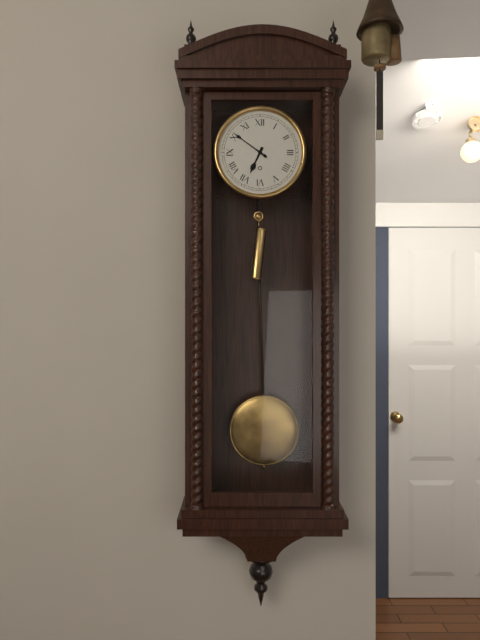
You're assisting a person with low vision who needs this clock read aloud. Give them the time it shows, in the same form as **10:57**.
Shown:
**6:51**
